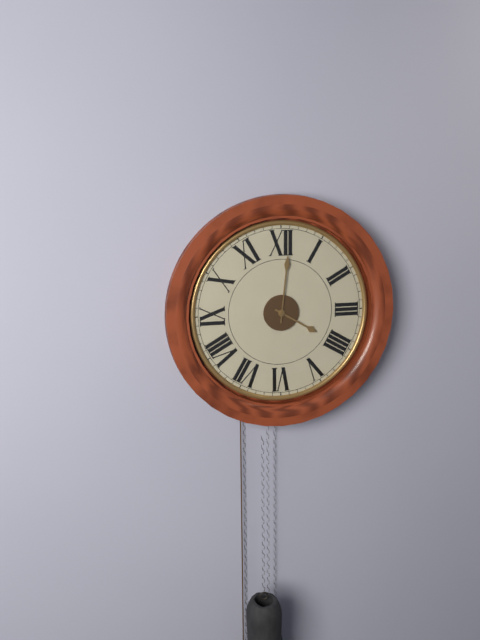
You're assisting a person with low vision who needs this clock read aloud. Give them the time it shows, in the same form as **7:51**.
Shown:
**4:01**
